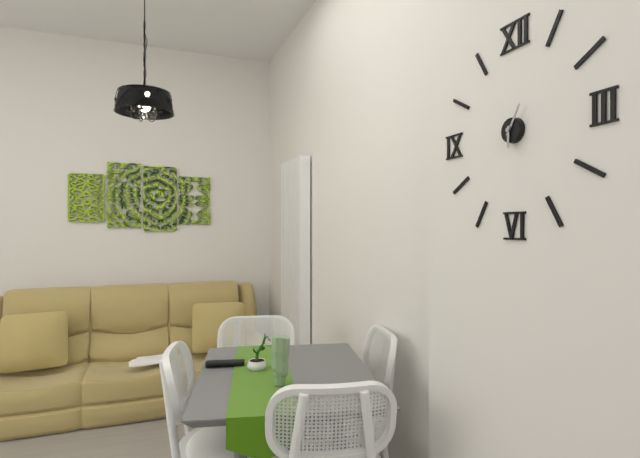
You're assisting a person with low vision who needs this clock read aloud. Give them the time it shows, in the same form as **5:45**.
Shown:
**6:05**
